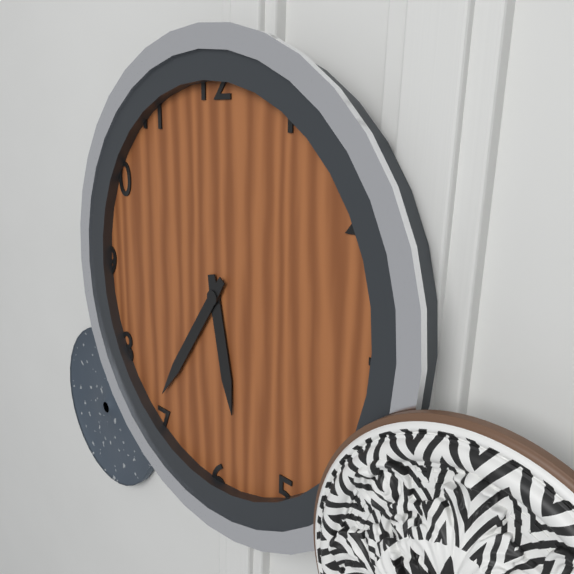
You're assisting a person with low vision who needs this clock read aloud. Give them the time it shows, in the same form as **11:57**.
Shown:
**5:36**
